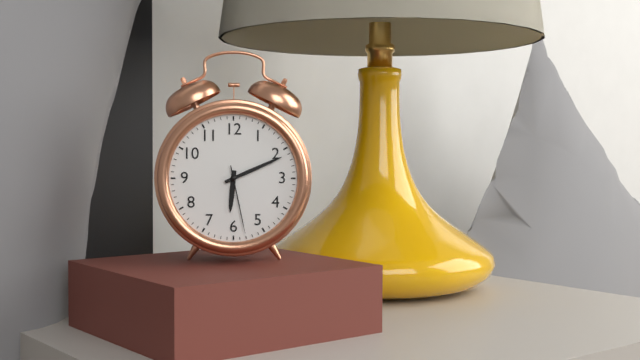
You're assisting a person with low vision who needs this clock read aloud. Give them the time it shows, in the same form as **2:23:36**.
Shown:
**6:11:28**
